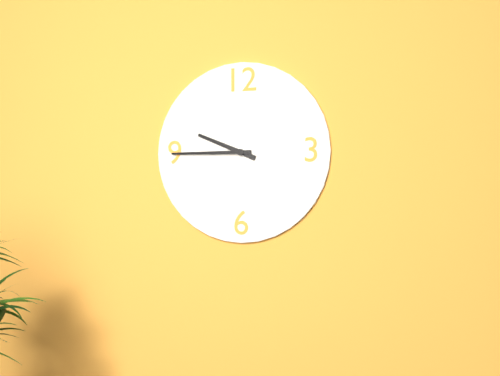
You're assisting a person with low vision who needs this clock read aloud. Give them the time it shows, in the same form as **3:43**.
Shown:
**9:45**
